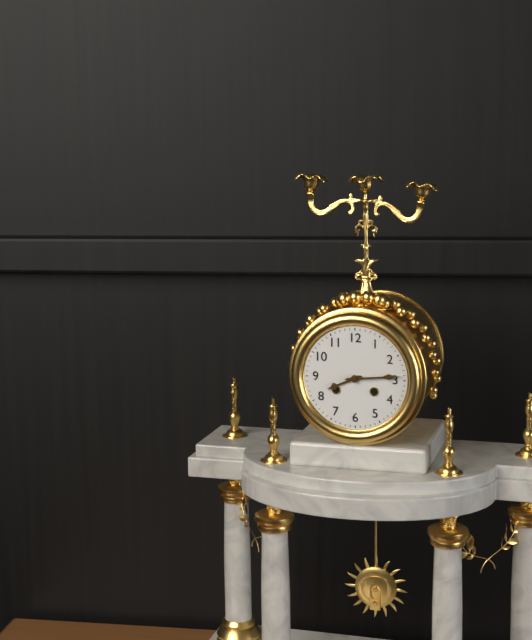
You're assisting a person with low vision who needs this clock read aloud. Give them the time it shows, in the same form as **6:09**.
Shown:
**8:14**
